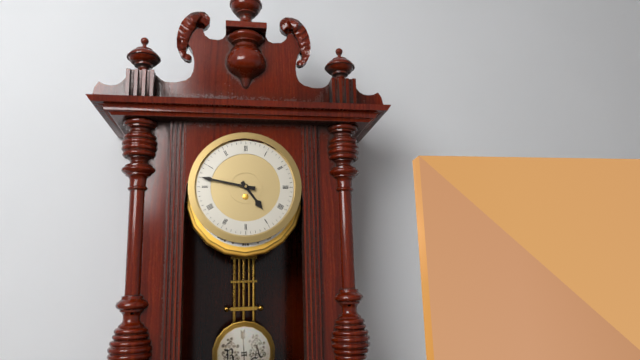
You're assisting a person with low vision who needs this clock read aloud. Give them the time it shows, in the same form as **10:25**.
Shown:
**4:47**
